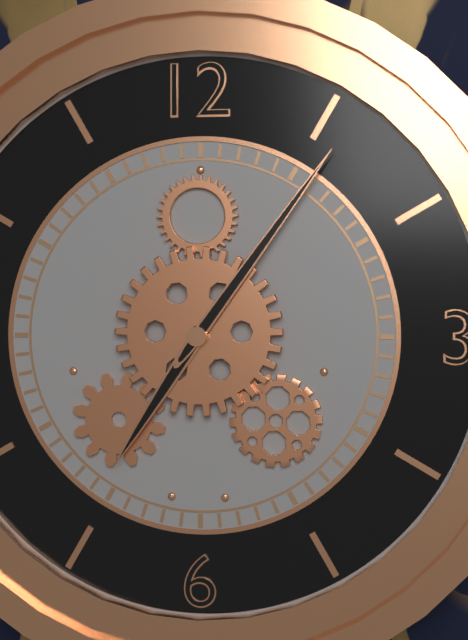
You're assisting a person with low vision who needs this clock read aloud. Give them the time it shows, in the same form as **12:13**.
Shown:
**7:06**
